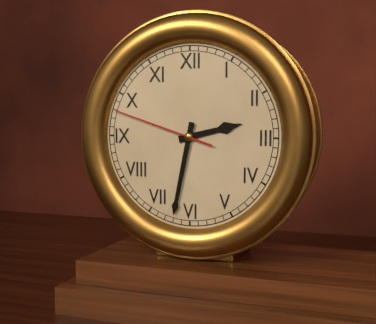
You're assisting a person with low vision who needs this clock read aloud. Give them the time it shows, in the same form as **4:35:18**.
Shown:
**2:32:48**
